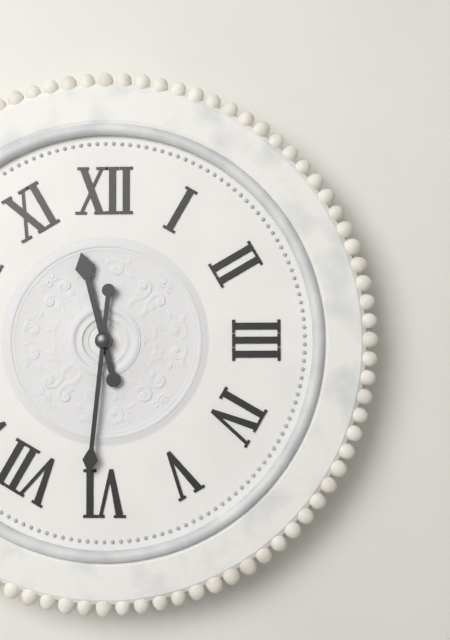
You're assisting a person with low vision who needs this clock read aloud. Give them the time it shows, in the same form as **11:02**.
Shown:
**11:31**
